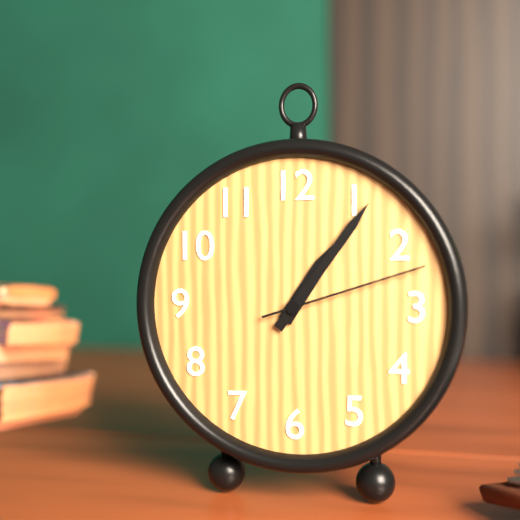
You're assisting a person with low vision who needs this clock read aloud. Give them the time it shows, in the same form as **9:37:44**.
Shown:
**1:06:12**
